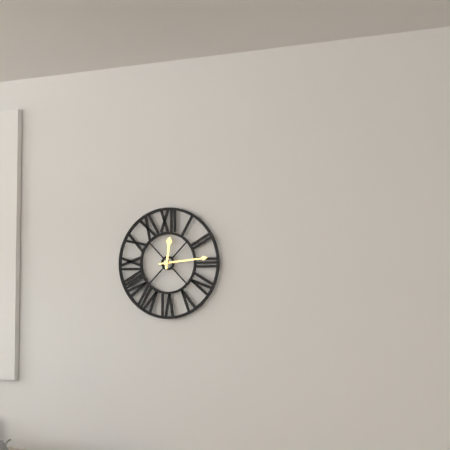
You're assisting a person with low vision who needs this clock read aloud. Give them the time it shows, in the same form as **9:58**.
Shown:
**12:14**
